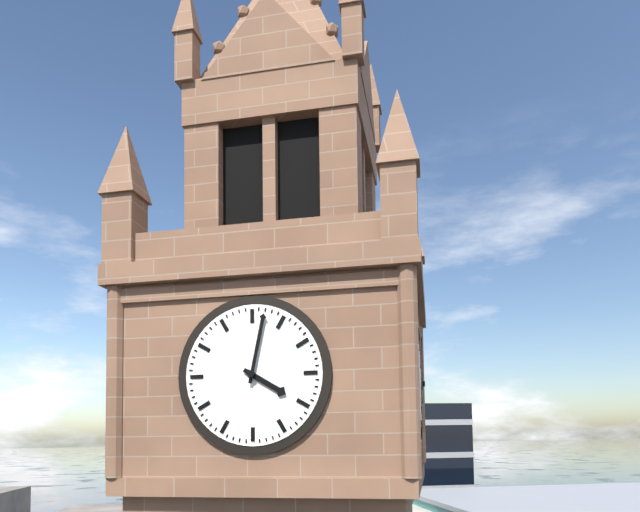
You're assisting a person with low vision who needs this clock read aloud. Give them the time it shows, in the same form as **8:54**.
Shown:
**4:02**
